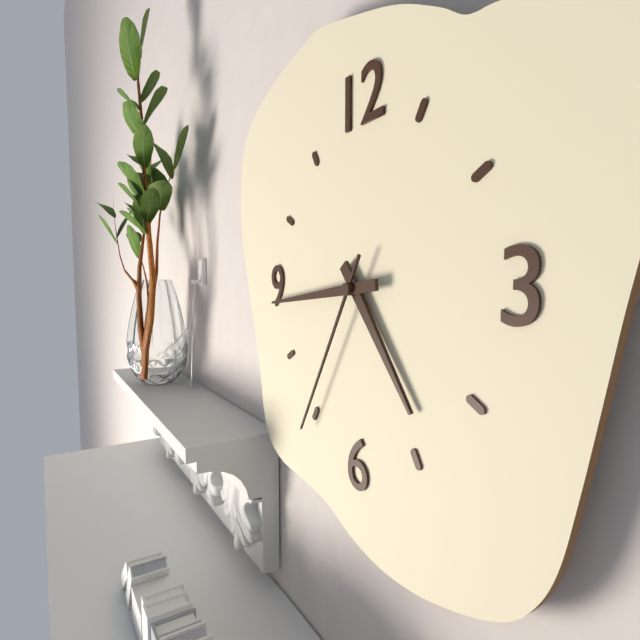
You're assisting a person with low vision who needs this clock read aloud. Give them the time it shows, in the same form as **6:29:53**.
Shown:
**4:44:35**
